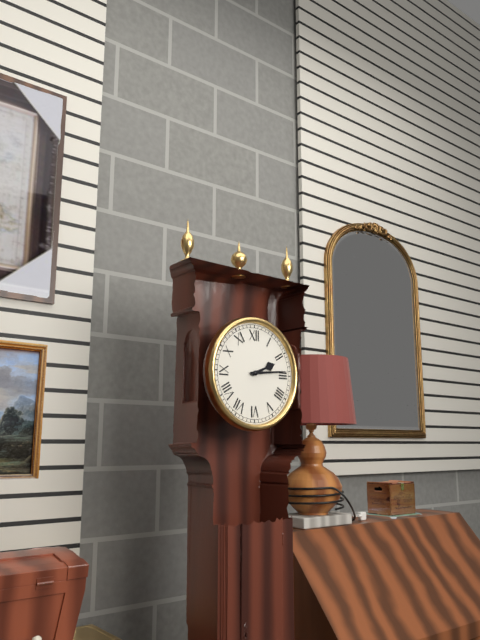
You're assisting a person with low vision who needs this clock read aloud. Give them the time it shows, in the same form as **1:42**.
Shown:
**2:14**
